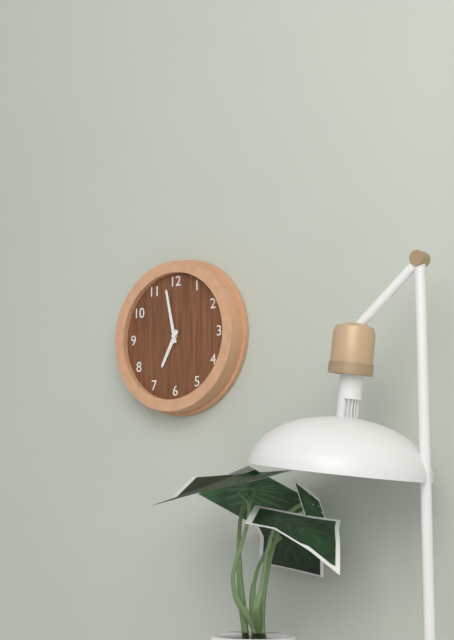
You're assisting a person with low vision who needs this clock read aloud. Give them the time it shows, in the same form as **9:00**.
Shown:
**6:58**
